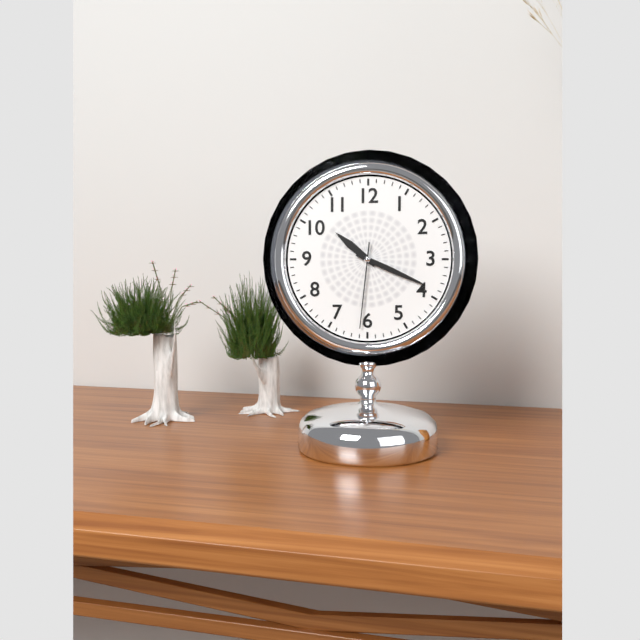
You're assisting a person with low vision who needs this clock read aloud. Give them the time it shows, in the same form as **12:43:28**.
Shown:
**10:19:31**
